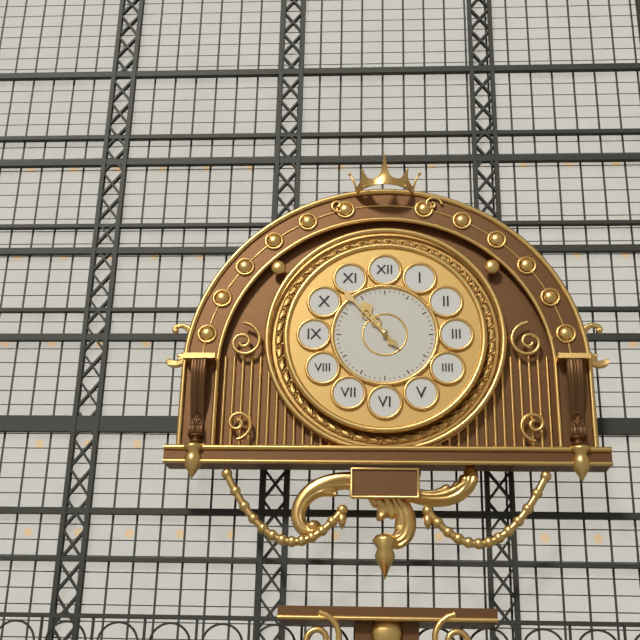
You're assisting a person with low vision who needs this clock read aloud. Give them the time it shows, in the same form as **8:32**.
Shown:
**10:53**
